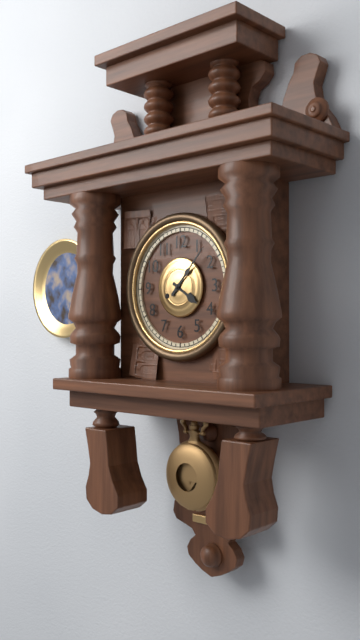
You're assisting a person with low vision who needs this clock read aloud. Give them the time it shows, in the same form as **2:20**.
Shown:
**4:07**
